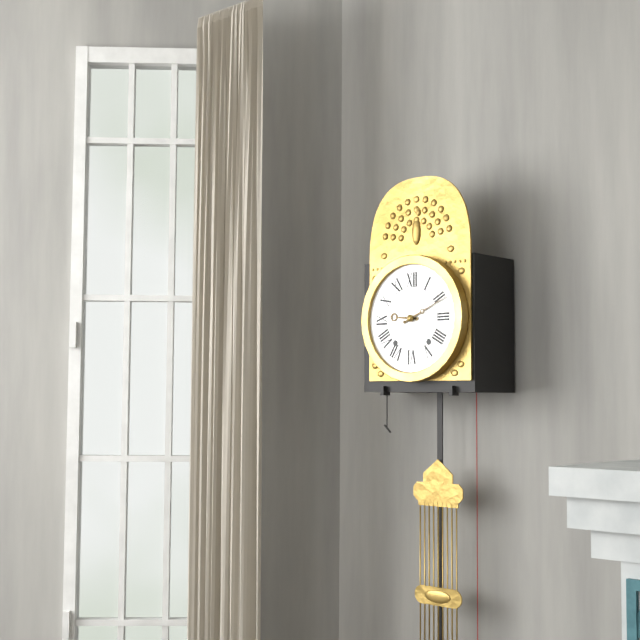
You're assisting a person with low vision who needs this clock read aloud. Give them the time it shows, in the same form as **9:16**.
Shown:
**9:11**
